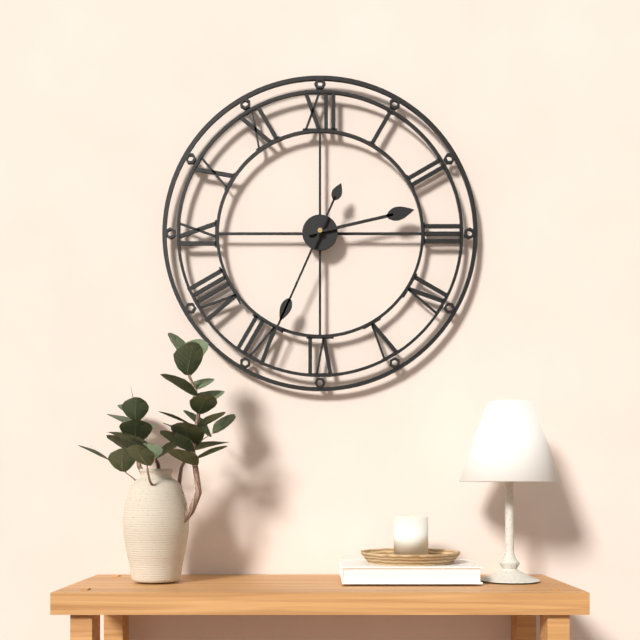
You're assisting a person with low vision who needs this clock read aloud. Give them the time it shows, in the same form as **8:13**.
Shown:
**2:34**
